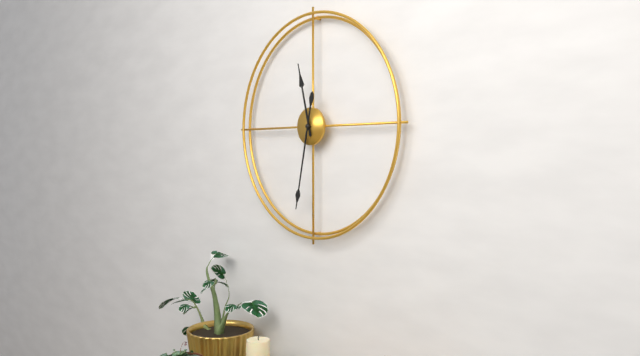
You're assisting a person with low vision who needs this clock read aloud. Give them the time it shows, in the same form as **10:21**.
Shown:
**11:32**
